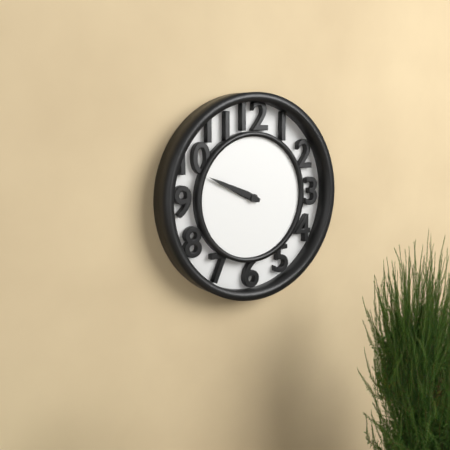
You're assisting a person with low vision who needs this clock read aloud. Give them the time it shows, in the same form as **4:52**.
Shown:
**9:49**
